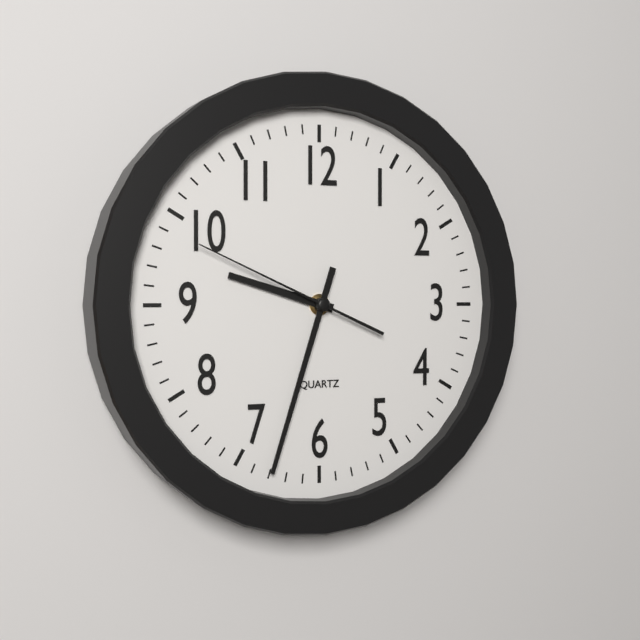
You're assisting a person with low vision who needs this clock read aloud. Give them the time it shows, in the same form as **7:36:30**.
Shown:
**9:33:49**
